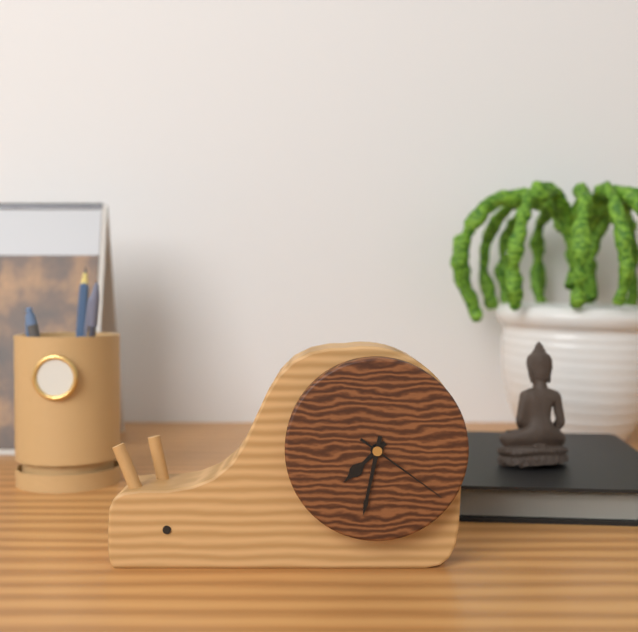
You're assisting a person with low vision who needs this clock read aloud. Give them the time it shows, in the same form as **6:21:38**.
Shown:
**7:32:21**
